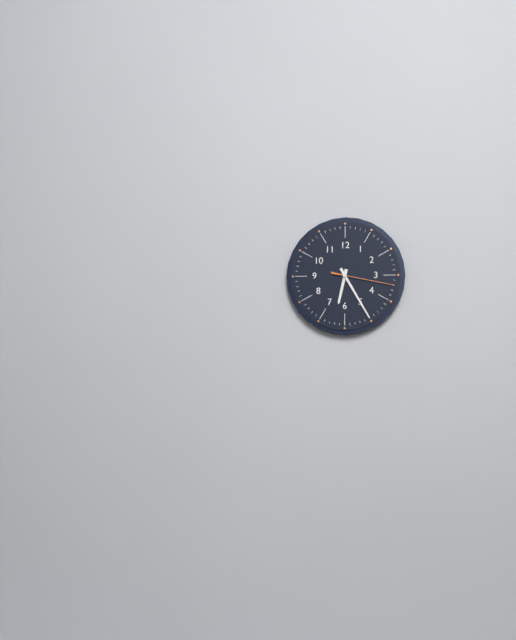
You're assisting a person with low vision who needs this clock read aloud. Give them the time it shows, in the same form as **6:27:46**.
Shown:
**6:25:17**
